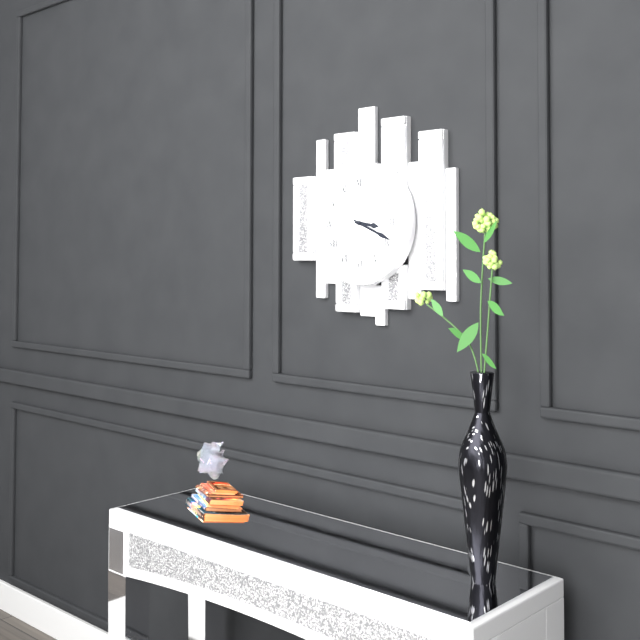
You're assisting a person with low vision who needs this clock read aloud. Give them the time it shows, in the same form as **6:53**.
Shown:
**3:19**
